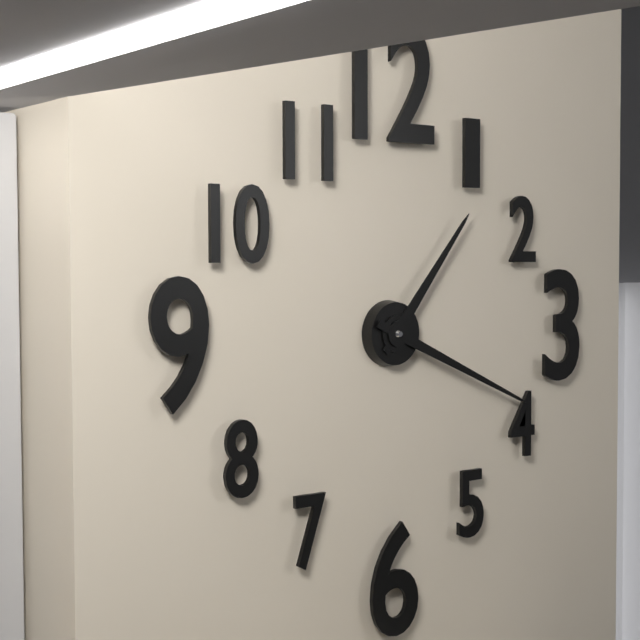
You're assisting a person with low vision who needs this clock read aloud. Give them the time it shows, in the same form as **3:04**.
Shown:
**1:19**
